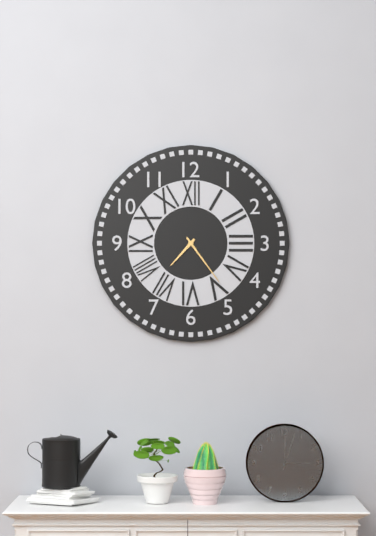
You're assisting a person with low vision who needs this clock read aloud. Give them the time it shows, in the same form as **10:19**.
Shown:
**7:24**
